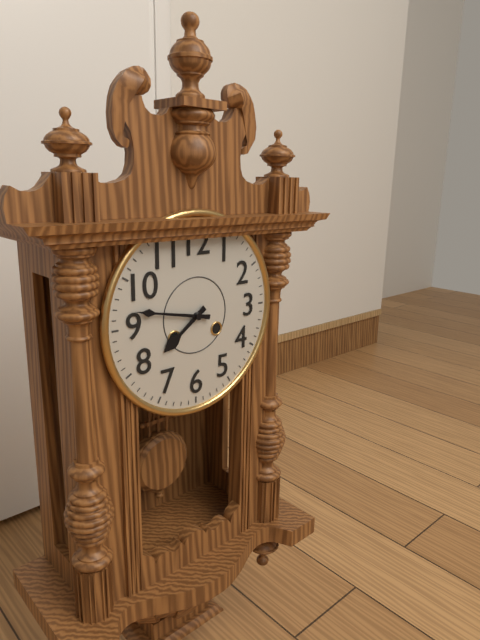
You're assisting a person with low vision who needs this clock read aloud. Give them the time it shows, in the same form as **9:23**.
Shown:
**7:47**
